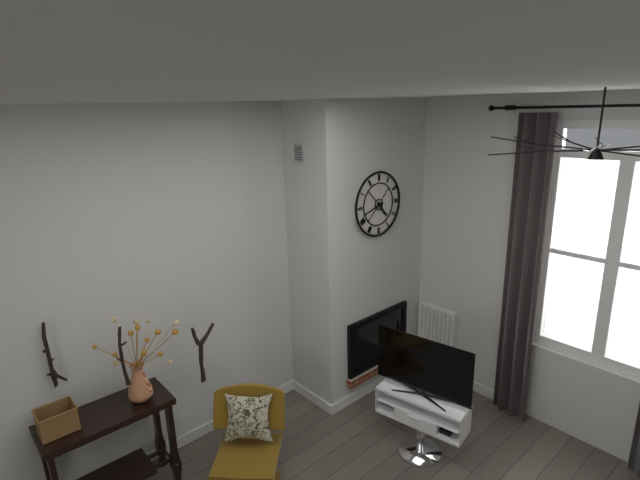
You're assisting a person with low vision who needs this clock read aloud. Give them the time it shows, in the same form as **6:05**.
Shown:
**4:42**
